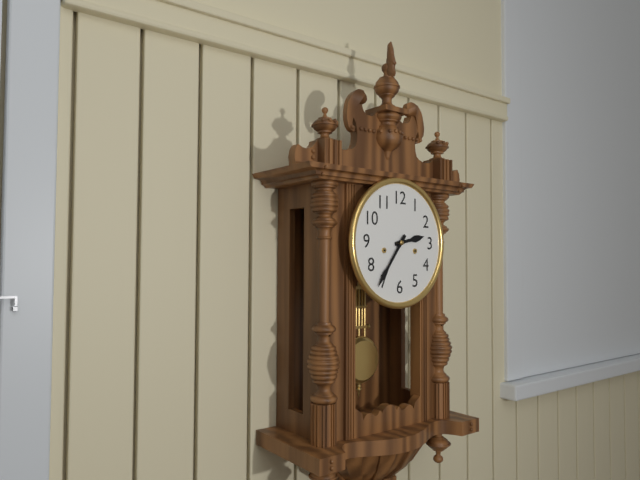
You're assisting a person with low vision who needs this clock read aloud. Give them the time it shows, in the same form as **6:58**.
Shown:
**2:36**
